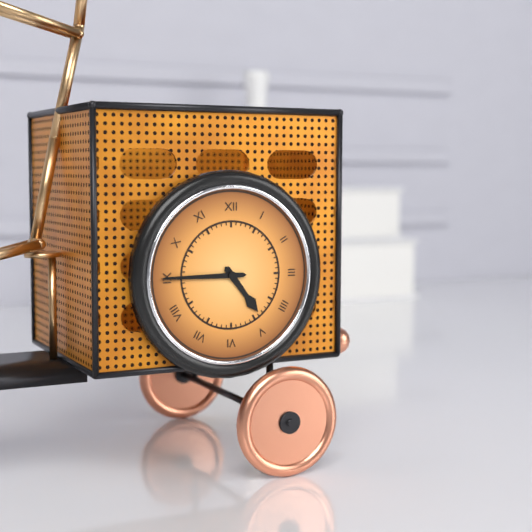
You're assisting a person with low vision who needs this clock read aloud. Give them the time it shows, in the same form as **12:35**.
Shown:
**4:45**
